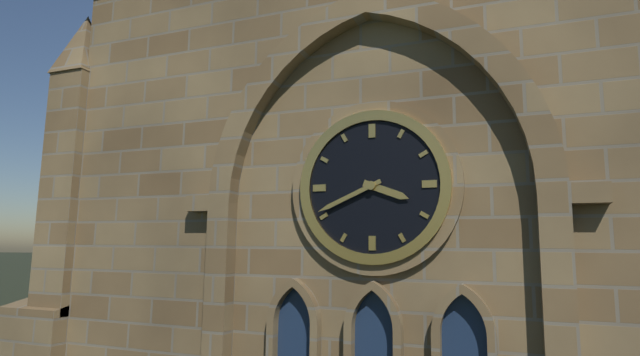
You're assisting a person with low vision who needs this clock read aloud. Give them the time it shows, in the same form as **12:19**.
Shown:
**3:41**
